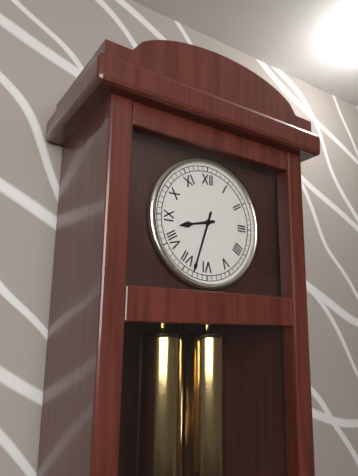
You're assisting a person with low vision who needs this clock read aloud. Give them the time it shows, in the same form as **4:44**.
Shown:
**8:33**
